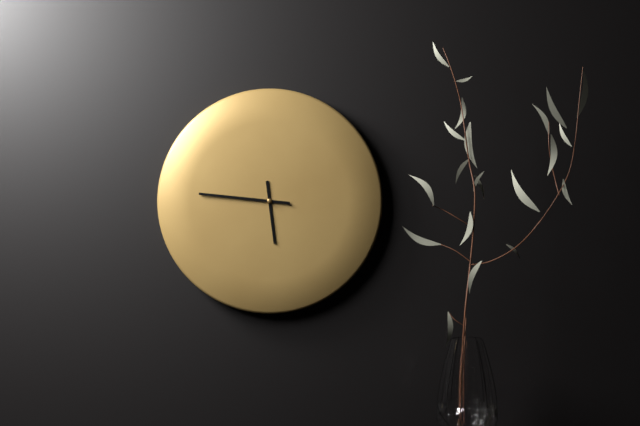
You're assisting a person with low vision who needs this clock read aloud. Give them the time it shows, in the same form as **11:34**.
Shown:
**5:46**
